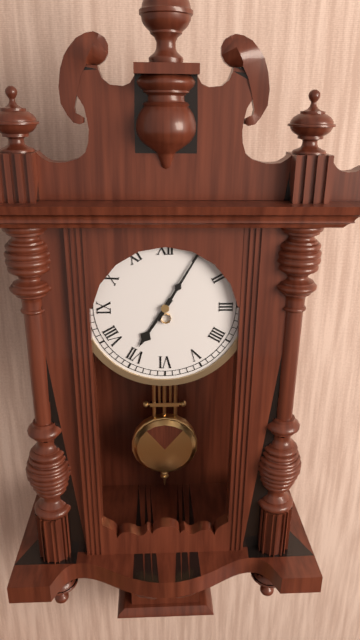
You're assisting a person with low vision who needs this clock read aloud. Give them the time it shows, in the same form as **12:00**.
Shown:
**7:05**
